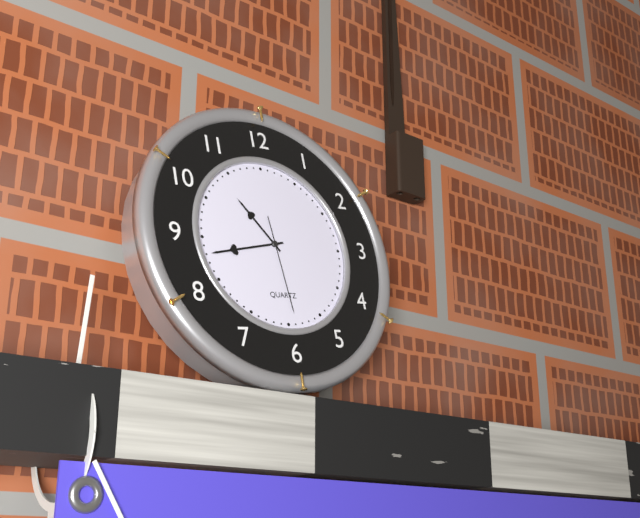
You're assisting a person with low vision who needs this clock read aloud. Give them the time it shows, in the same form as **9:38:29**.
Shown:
**10:43:29**
